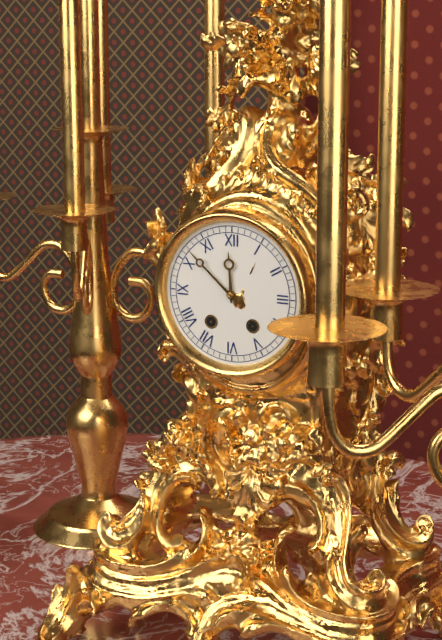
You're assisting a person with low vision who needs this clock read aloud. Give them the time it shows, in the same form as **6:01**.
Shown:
**11:52**
